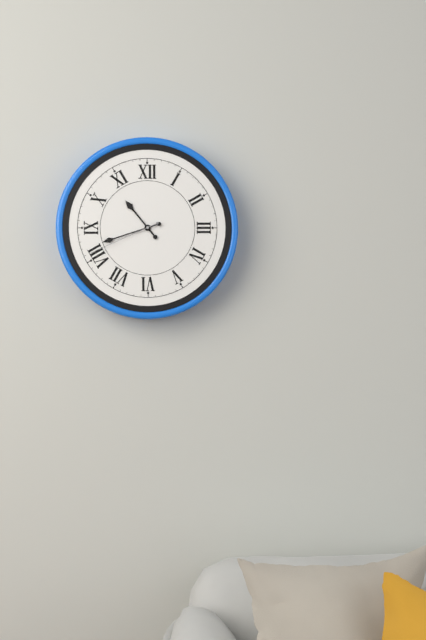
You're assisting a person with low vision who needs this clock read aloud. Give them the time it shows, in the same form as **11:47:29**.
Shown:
**10:42:41**
